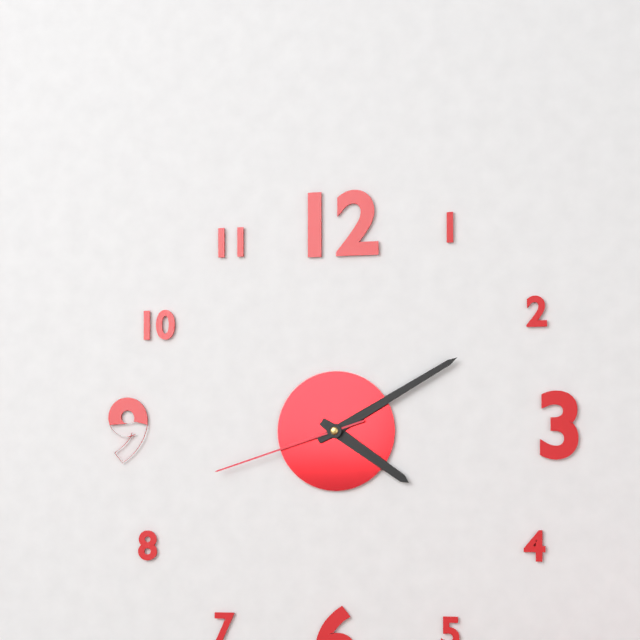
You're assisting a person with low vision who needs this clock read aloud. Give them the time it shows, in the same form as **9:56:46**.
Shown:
**4:10:42**
